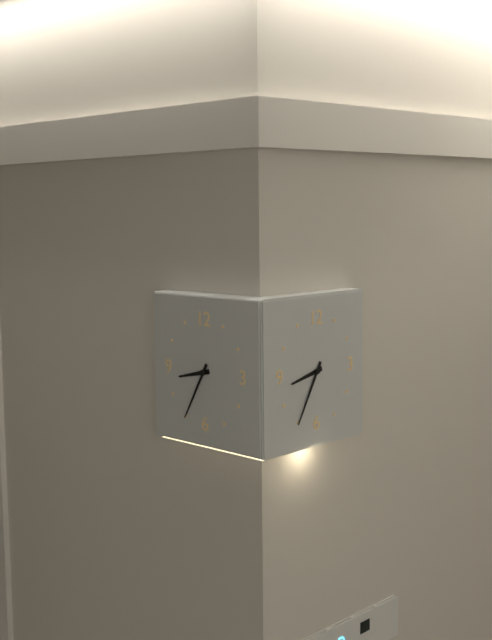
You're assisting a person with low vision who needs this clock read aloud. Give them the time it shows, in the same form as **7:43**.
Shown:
**8:35**
